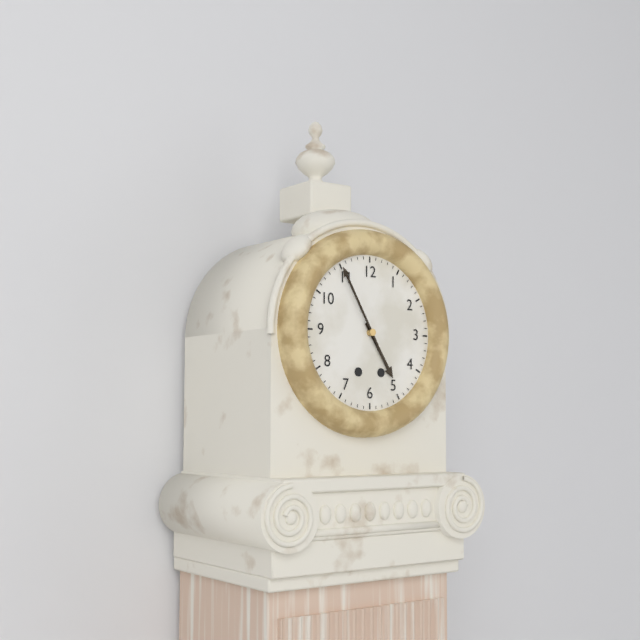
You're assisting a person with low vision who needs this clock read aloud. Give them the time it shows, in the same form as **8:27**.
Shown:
**4:55**
